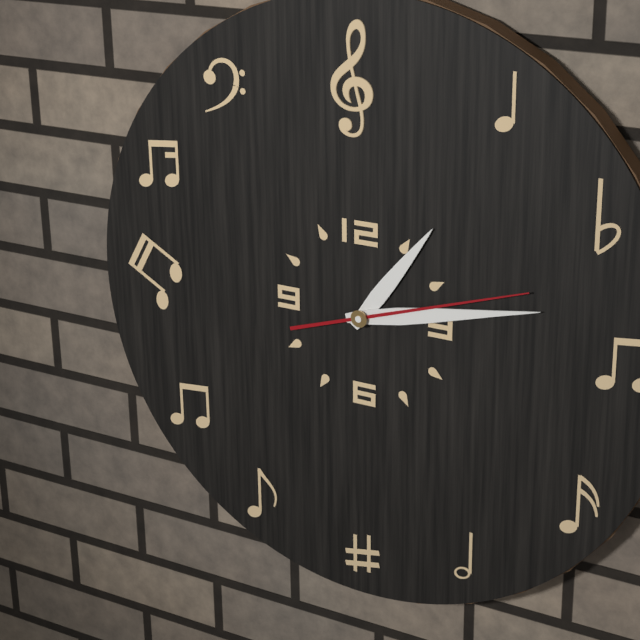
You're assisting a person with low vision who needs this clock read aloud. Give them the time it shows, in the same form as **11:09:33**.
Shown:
**1:13:12**
